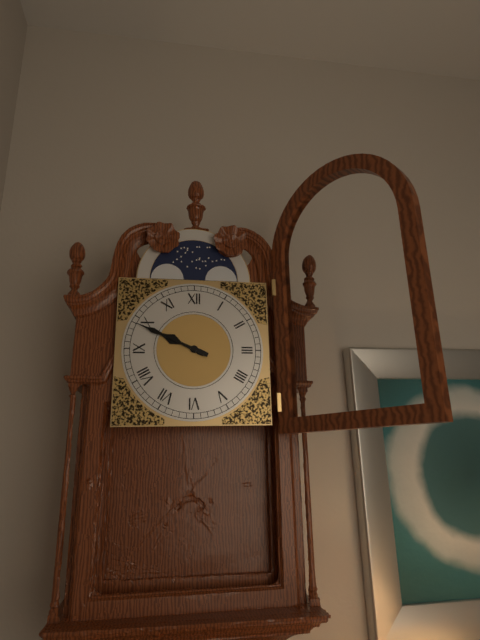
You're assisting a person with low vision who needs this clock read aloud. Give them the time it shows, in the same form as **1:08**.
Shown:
**9:49**
